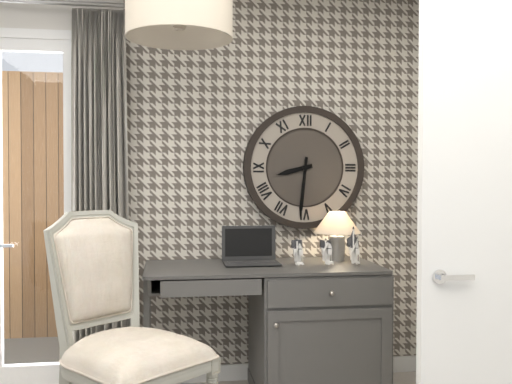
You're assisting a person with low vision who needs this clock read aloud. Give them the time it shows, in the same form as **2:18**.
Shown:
**8:31**
